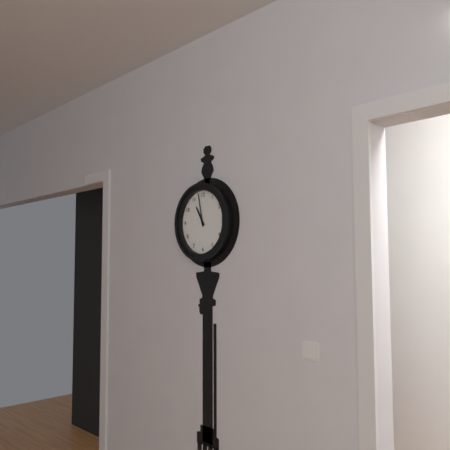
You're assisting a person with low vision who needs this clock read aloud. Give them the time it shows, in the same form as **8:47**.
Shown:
**10:58**
